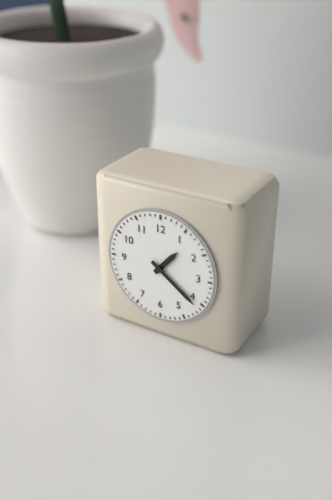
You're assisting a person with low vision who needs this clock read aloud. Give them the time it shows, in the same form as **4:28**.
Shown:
**1:21**
